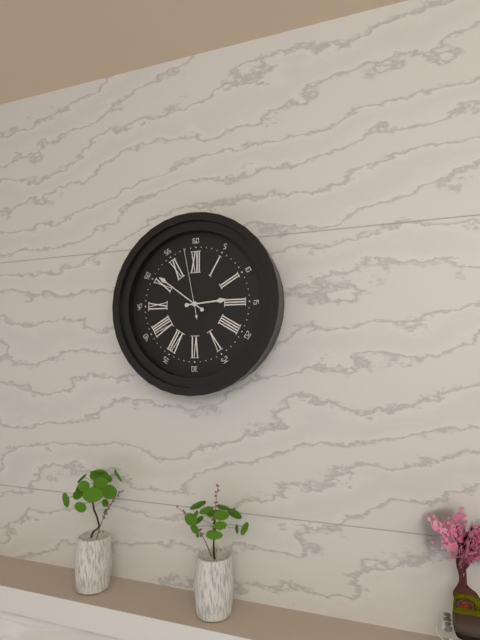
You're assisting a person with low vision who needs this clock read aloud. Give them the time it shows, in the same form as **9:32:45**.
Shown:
**2:51:58**
